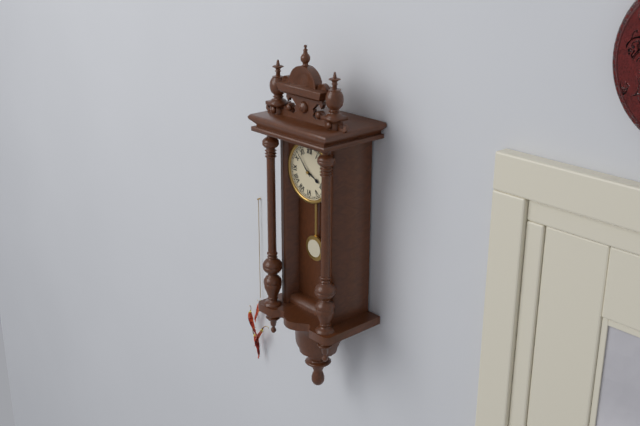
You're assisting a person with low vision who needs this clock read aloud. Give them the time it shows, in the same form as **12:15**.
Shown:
**3:53**
